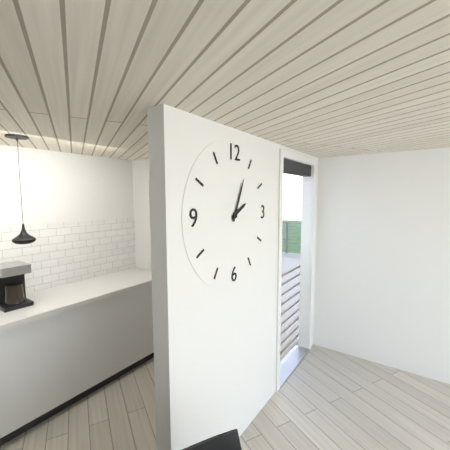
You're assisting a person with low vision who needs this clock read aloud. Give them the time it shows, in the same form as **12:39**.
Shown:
**2:04**
